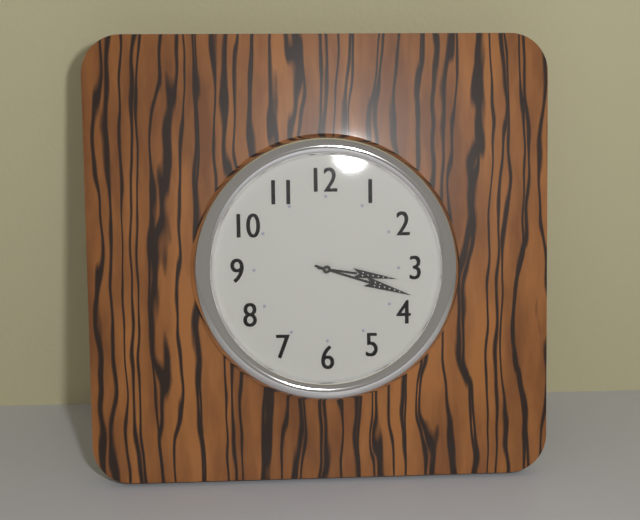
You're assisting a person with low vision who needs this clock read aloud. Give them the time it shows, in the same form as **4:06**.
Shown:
**3:18**
